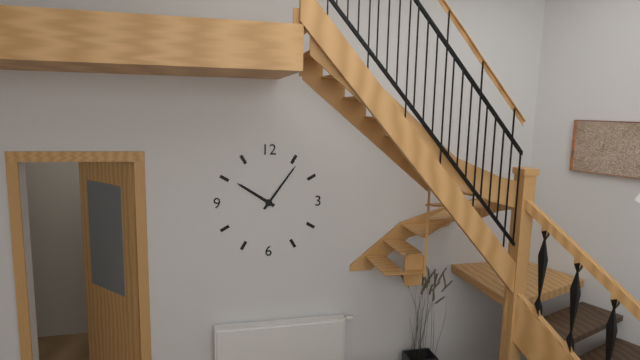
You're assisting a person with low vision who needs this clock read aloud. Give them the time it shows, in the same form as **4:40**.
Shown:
**10:06**
